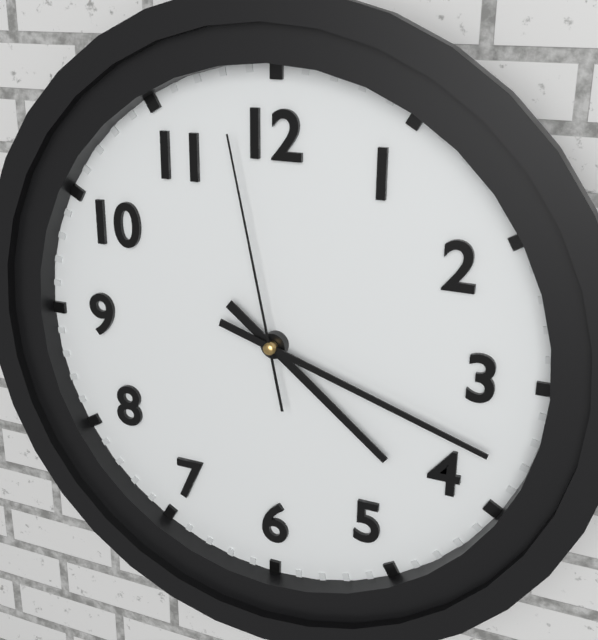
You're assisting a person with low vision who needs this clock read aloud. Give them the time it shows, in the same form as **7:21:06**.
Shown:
**4:18:58**
